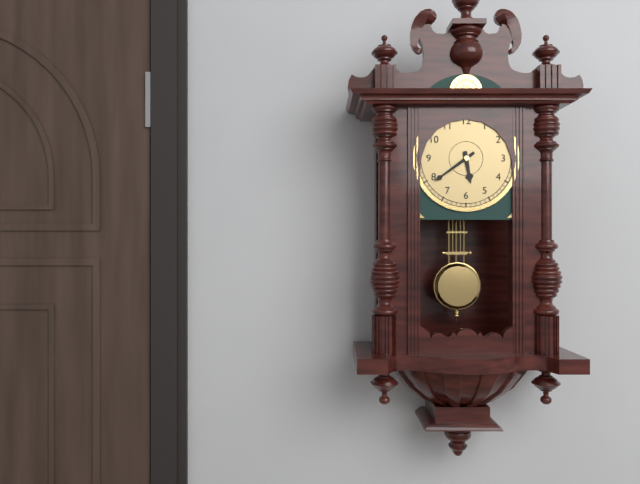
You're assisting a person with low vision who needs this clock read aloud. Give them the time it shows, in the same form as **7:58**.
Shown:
**5:39**
